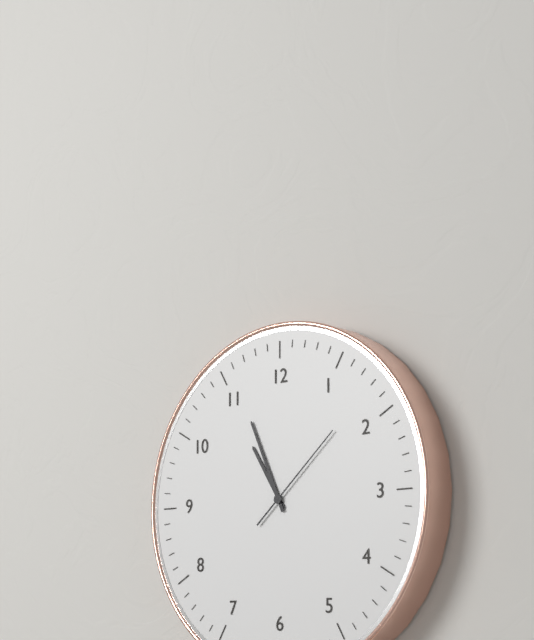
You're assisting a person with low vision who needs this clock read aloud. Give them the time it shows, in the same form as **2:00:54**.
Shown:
**10:56:08**
